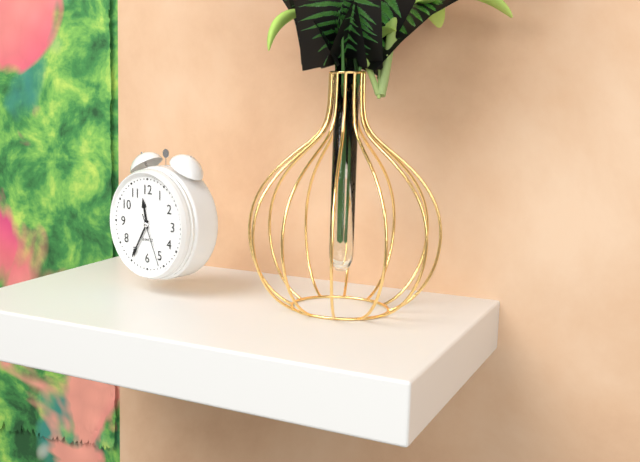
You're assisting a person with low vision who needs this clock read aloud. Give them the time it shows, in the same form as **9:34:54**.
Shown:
**11:35:26**
